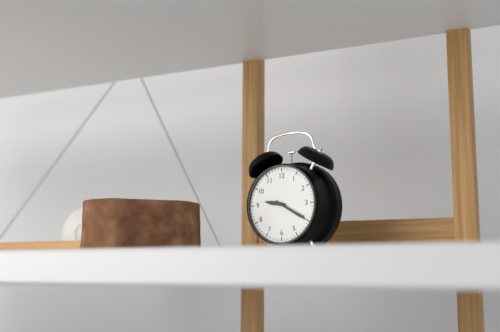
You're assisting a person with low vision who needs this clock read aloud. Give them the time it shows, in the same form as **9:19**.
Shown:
**9:20**
